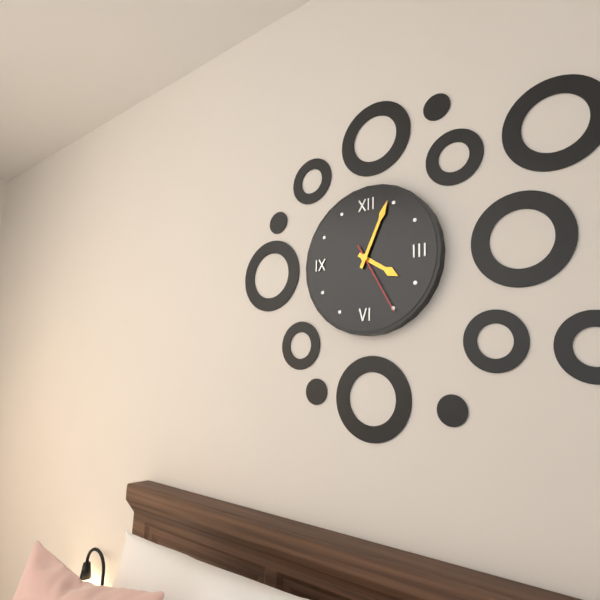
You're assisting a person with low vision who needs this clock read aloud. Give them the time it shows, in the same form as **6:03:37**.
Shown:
**4:04:25**
